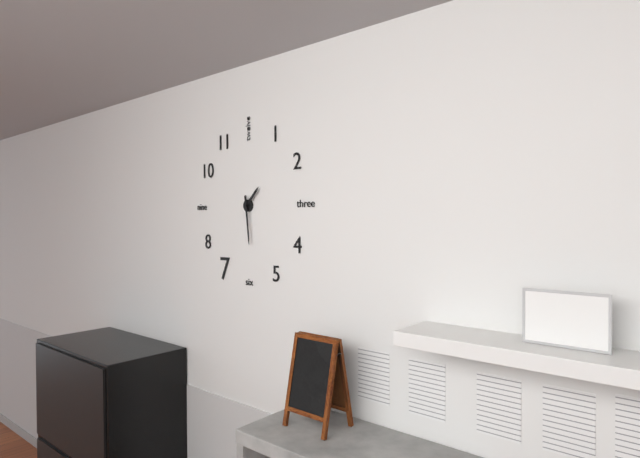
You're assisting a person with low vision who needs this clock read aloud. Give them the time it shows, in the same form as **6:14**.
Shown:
**1:29**
